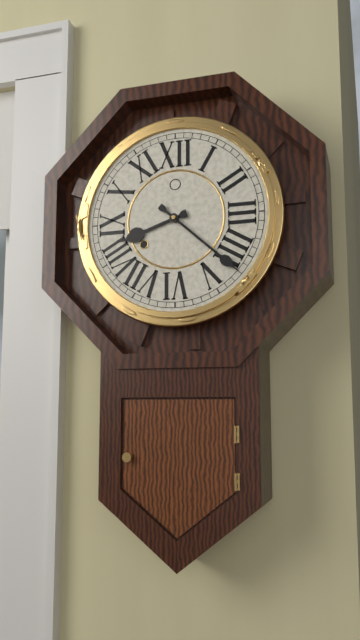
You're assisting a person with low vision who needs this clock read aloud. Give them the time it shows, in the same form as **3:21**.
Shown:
**8:22**
